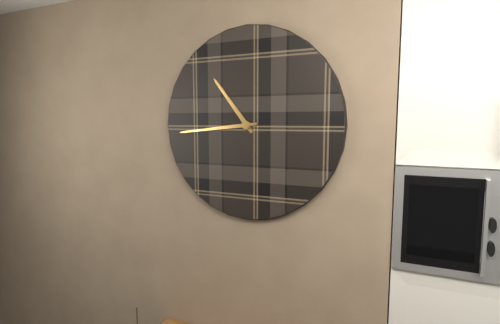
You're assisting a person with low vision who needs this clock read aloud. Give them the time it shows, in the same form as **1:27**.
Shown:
**10:44**
